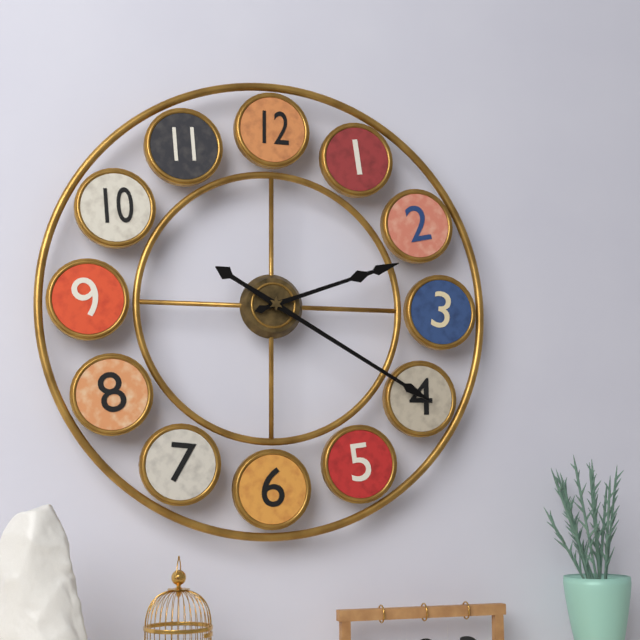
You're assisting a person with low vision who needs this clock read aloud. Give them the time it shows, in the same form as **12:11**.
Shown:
**2:20**
